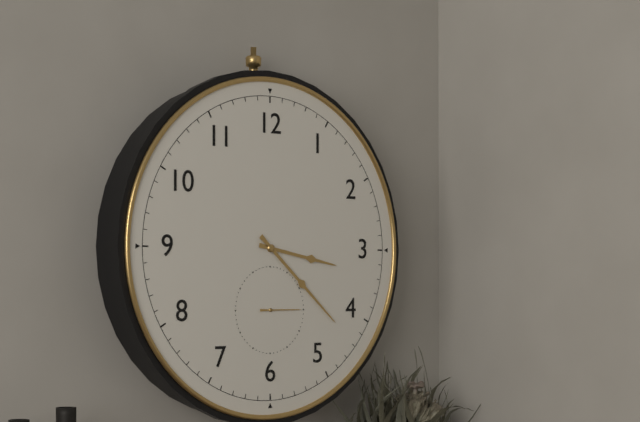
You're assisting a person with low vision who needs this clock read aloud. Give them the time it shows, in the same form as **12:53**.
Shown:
**3:22**
